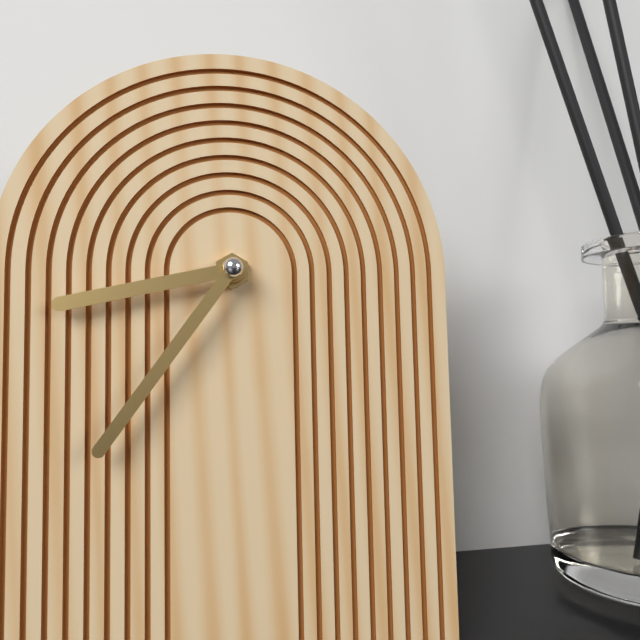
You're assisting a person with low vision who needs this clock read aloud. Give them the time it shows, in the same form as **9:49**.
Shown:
**8:36**
